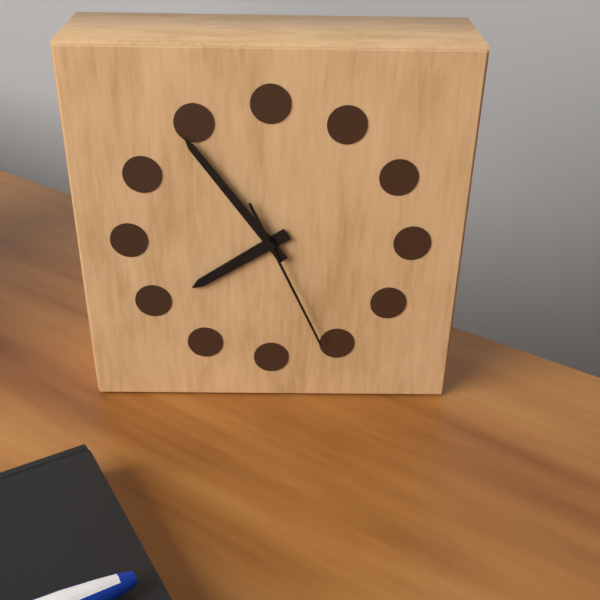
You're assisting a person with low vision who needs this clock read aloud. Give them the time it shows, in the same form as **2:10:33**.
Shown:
**7:54:26**
